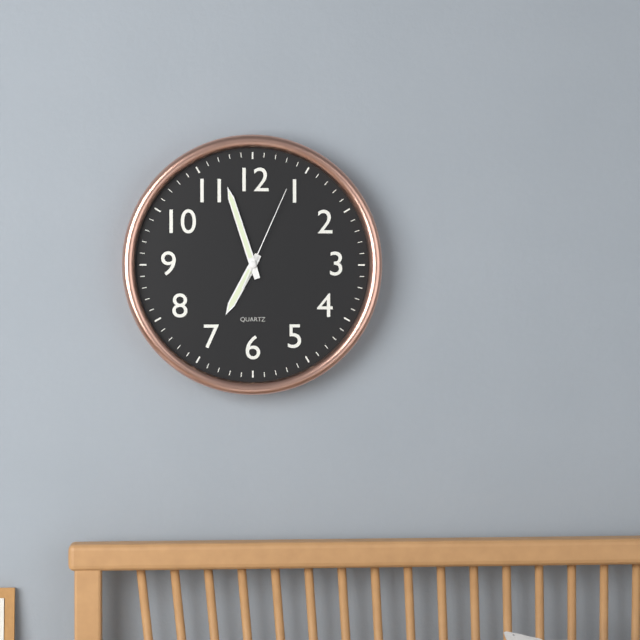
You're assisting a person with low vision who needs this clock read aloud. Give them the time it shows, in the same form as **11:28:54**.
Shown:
**6:57:04**
